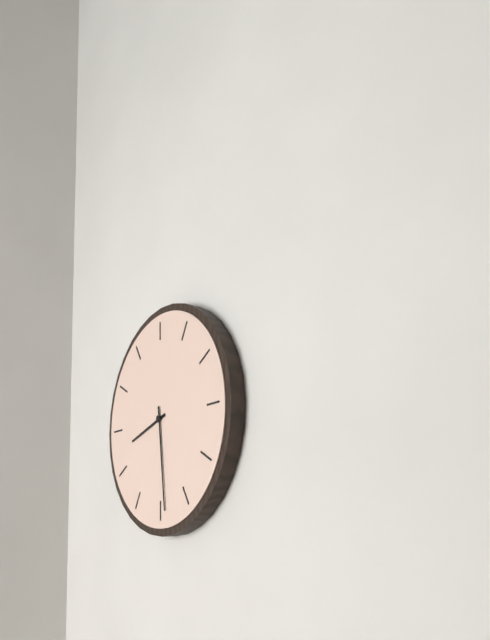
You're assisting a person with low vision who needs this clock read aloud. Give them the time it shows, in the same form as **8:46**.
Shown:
**8:29**
